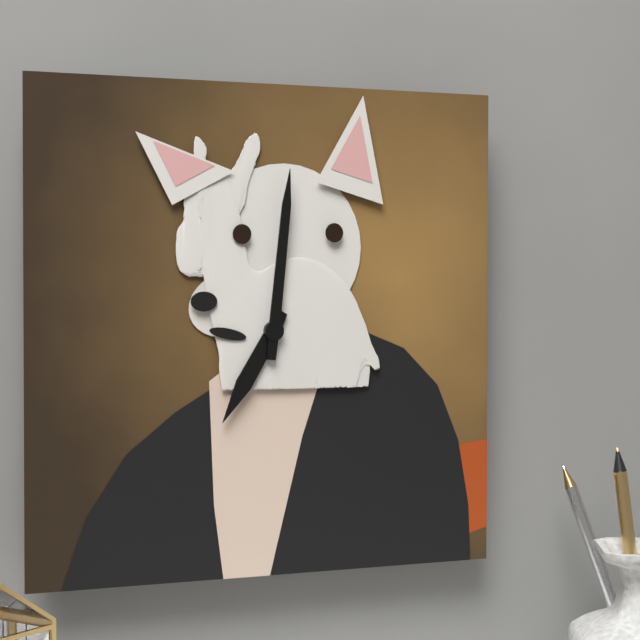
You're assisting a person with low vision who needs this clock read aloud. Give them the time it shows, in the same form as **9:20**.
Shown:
**7:01**
